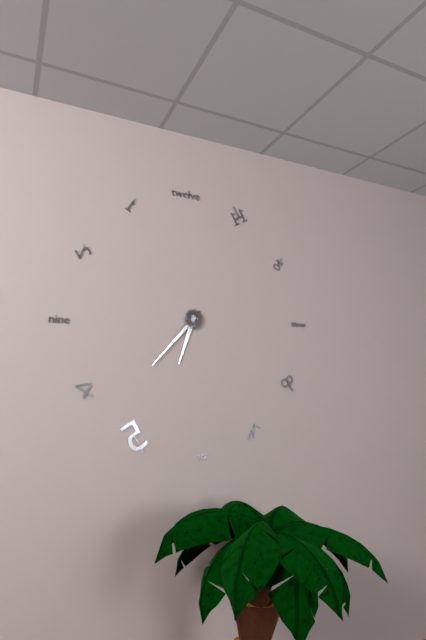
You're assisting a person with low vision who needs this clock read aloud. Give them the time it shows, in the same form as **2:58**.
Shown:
**6:37**
